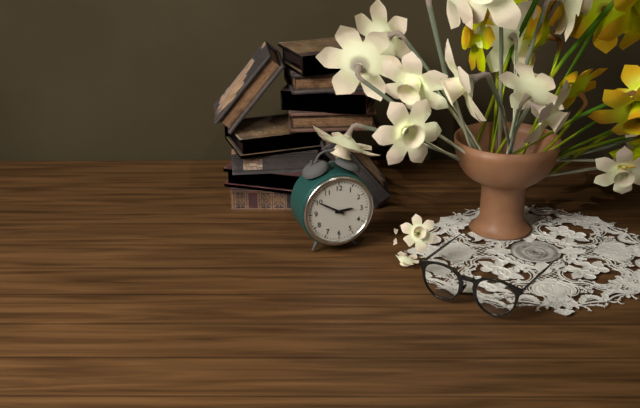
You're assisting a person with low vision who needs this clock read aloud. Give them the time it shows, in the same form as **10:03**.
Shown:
**2:50**
